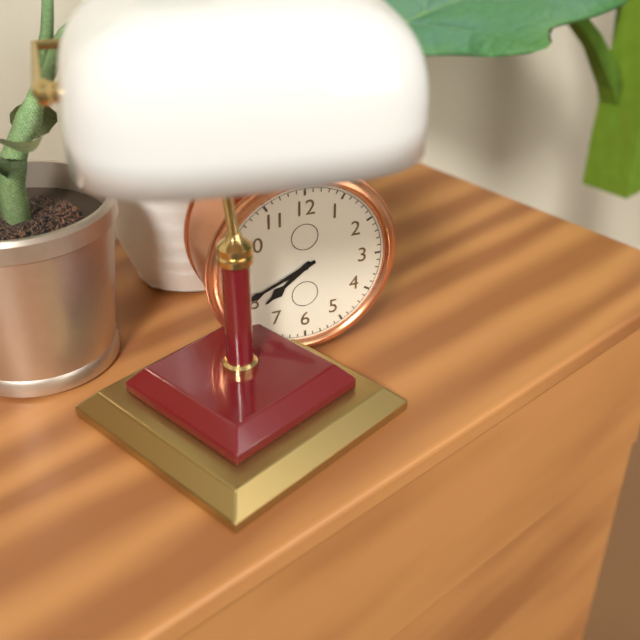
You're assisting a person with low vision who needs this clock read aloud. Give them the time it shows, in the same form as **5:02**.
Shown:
**7:41**
